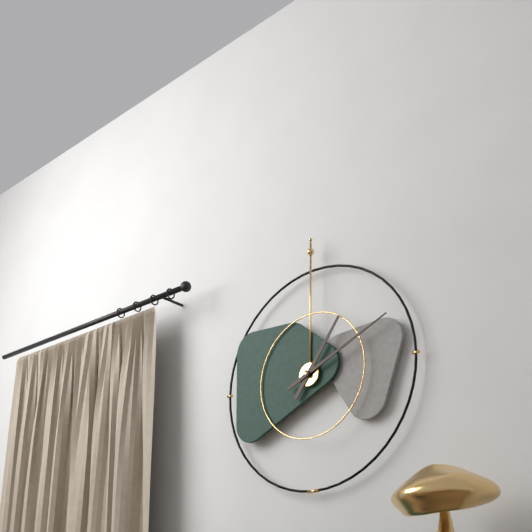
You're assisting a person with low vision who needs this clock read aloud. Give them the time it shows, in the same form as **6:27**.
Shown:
**1:11**
